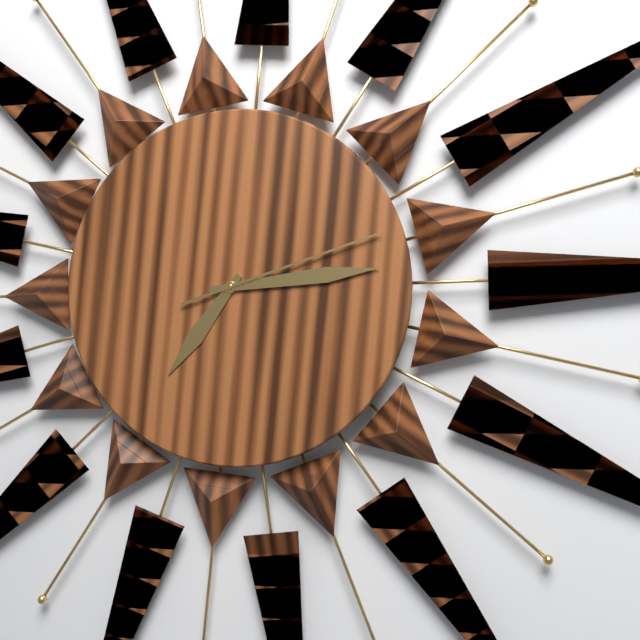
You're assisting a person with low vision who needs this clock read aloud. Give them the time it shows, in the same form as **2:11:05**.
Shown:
**7:14:12**
